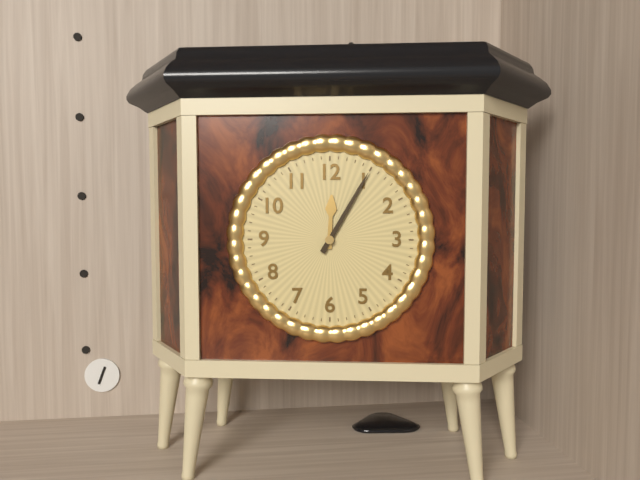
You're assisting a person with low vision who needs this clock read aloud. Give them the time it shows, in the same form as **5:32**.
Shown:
**12:05**
